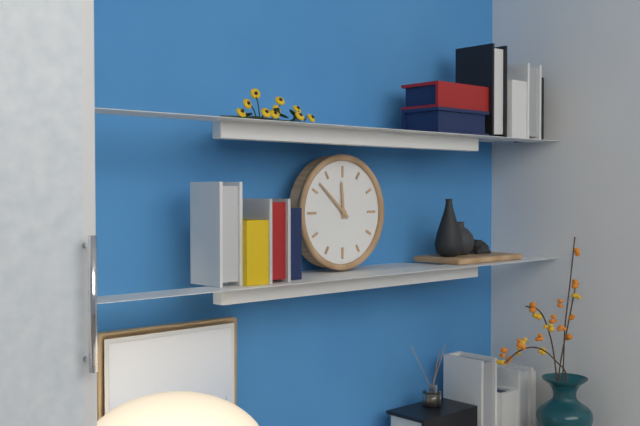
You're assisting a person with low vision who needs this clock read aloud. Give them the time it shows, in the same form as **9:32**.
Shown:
**11:52**
